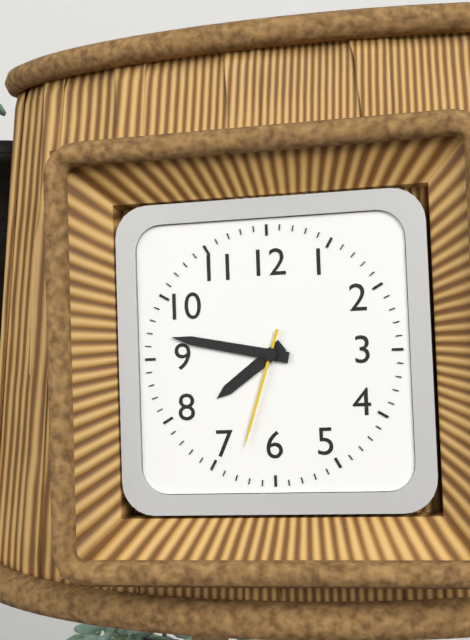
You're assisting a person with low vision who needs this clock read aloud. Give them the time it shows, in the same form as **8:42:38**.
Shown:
**7:47:33**
